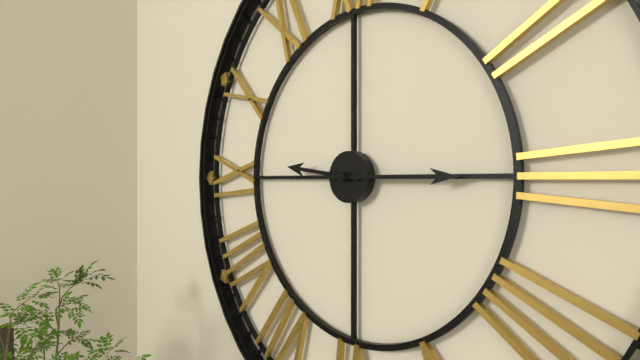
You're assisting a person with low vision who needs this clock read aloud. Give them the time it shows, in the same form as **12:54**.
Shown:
**9:15**
